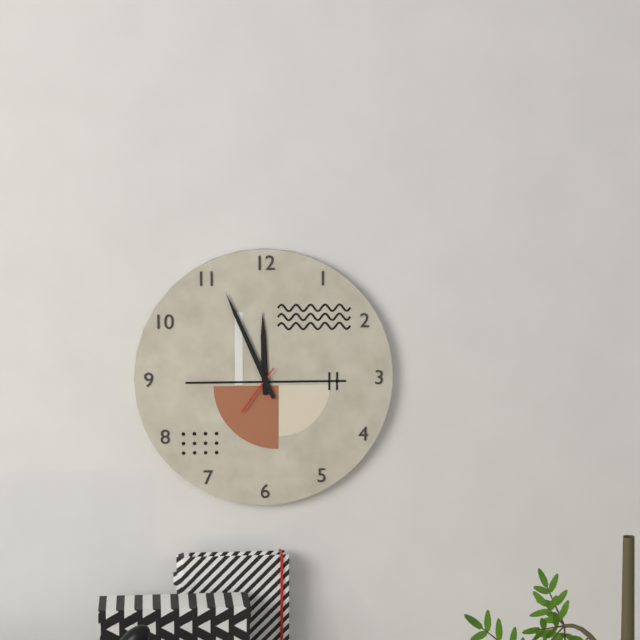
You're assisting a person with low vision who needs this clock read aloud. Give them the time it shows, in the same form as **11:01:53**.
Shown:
**11:56:36**
